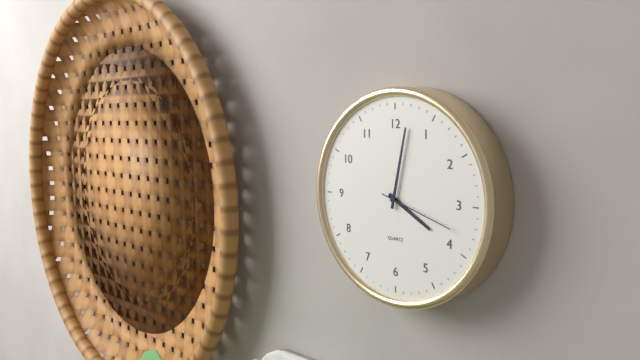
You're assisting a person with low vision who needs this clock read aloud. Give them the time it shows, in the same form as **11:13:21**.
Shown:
**4:02:18**
